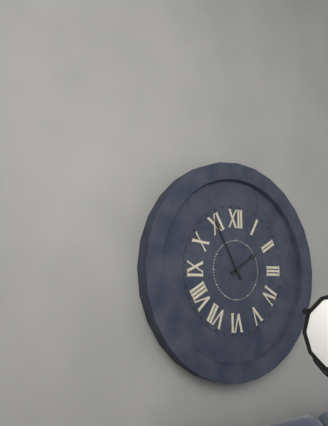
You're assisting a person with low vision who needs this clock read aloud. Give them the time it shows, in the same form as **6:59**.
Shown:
**1:55**
